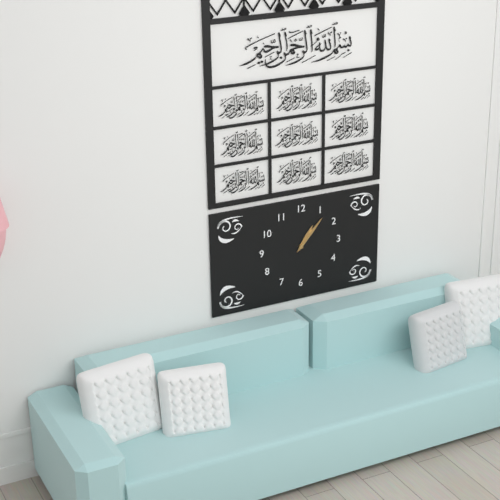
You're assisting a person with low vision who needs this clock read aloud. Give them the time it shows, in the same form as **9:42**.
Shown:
**1:07**
